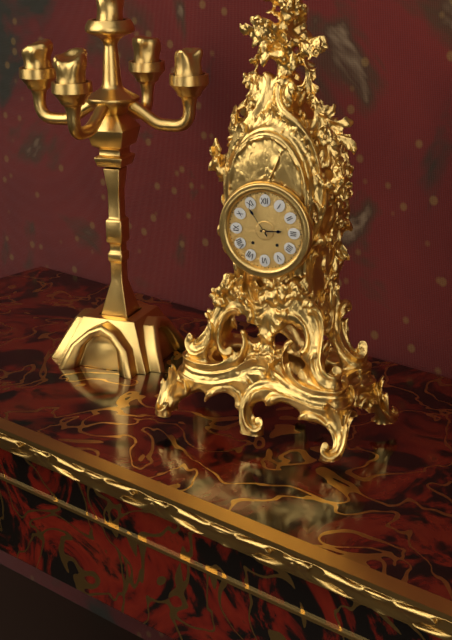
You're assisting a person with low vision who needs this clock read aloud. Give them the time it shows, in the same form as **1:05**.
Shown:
**2:54**
